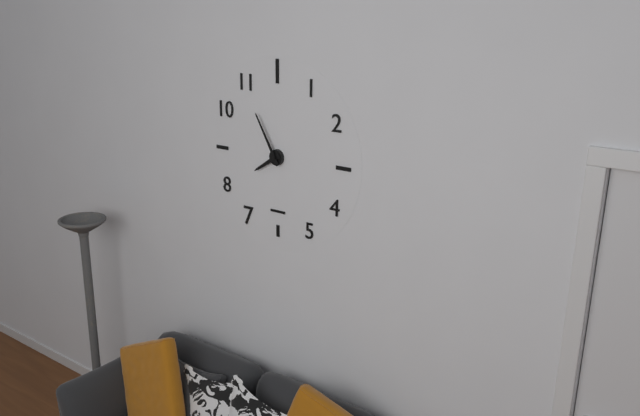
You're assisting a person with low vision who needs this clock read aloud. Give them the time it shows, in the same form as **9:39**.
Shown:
**7:55**
